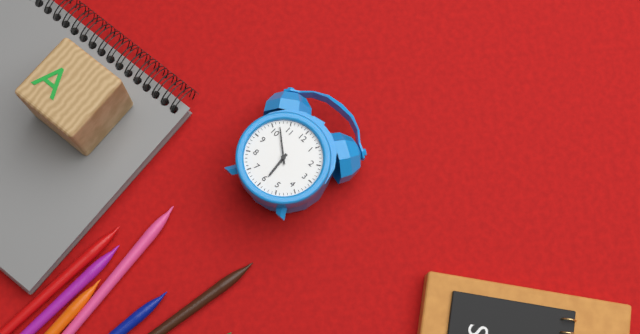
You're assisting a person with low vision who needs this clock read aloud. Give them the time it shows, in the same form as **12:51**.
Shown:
**5:52**
